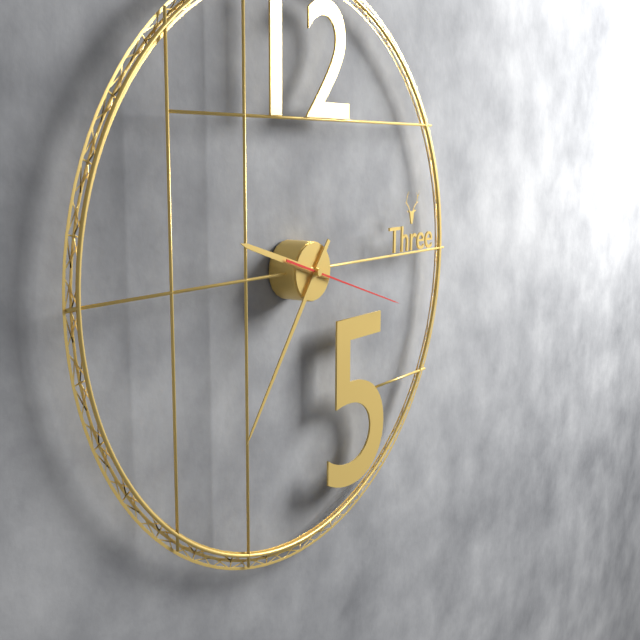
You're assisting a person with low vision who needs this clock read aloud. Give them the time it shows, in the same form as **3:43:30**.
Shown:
**9:36:18**
